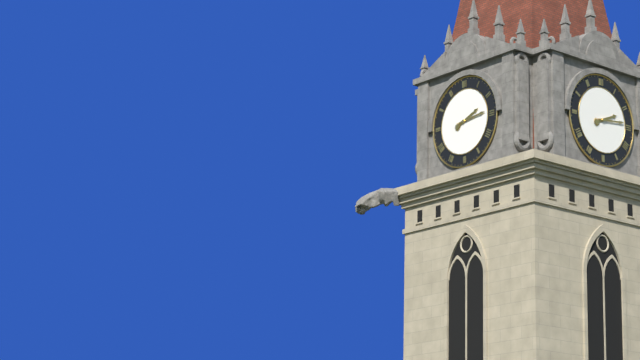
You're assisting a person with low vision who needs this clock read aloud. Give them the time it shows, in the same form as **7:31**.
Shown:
**2:14**
